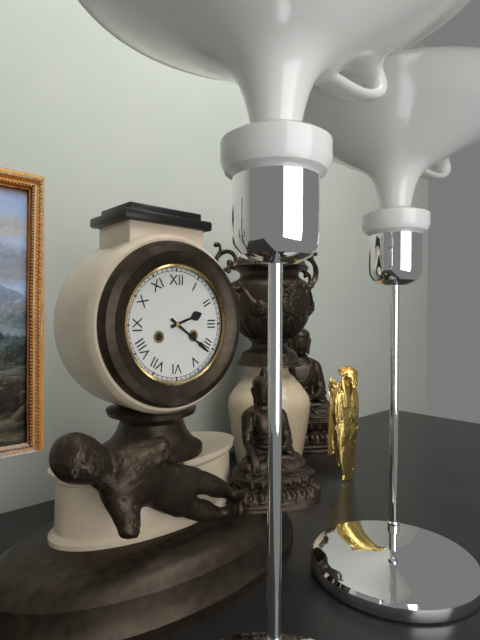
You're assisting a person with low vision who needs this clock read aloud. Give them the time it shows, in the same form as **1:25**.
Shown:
**2:21**
